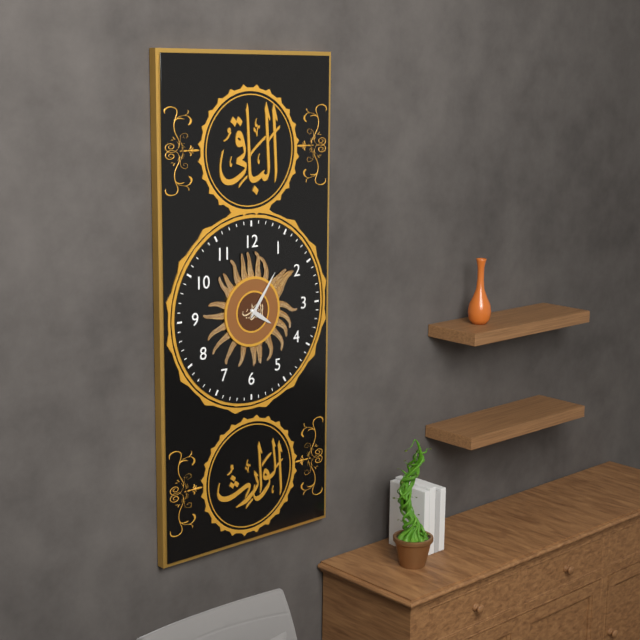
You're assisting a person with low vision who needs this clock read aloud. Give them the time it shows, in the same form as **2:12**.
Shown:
**4:06**
